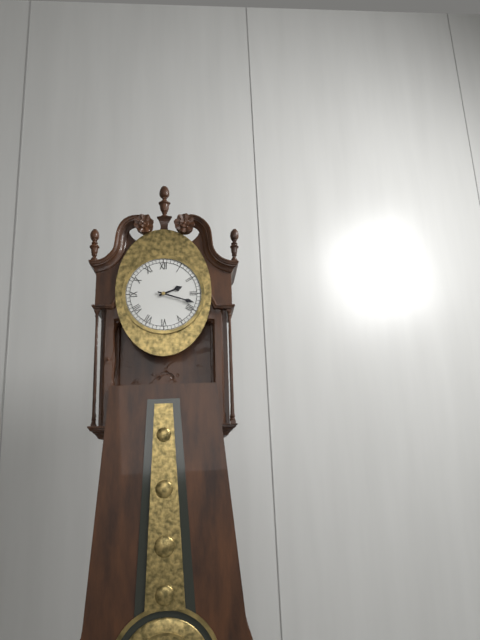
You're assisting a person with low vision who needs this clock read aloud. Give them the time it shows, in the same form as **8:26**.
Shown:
**2:18**
